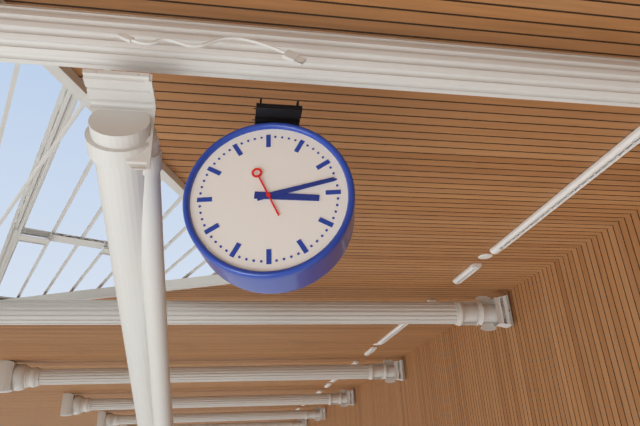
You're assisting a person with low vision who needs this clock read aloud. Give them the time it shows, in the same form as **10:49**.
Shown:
**3:13**
